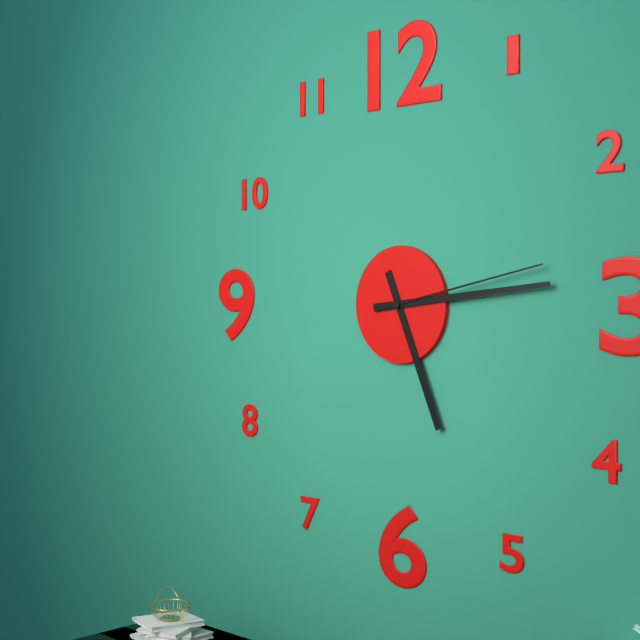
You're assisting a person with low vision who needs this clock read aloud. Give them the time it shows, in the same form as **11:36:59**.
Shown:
**5:14:13**
